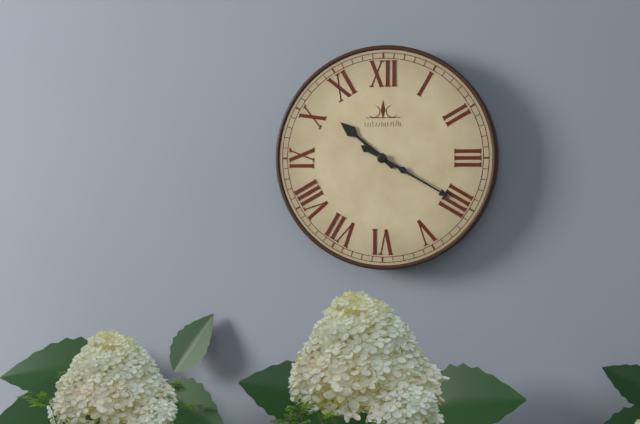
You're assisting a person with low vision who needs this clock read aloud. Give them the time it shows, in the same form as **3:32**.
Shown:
**10:20**
